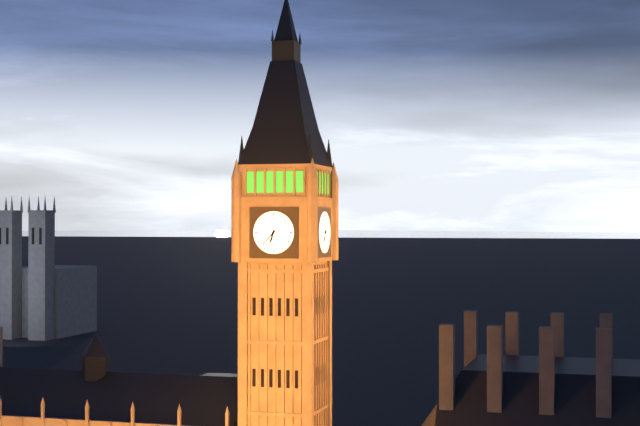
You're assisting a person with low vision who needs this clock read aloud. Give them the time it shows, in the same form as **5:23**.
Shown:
**6:37**
